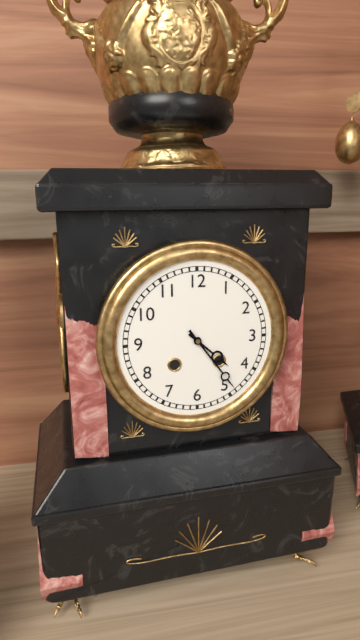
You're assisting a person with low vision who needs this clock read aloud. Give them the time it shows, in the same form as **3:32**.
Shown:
**4:24**
